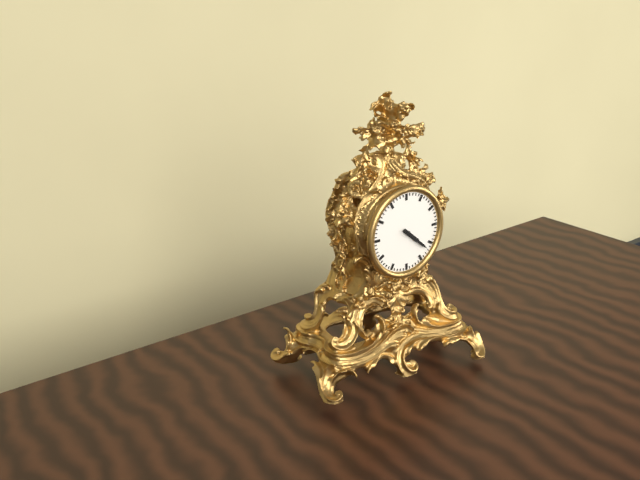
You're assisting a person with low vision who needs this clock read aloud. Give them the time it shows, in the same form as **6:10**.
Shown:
**4:22**
